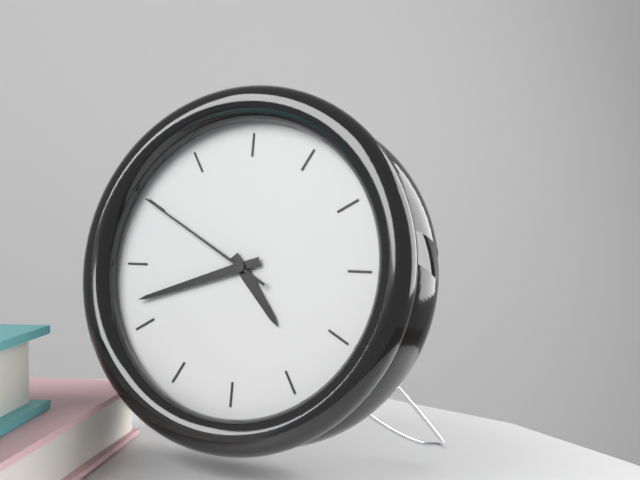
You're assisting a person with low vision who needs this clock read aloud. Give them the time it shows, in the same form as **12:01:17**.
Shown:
**4:42:50**
